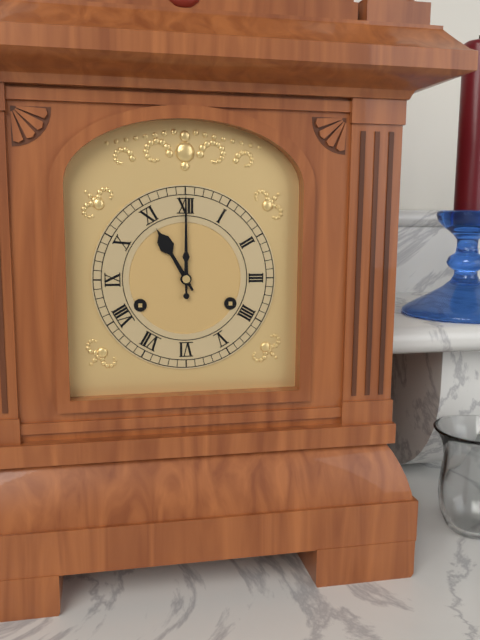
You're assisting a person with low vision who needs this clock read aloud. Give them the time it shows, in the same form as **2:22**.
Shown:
**11:00**
